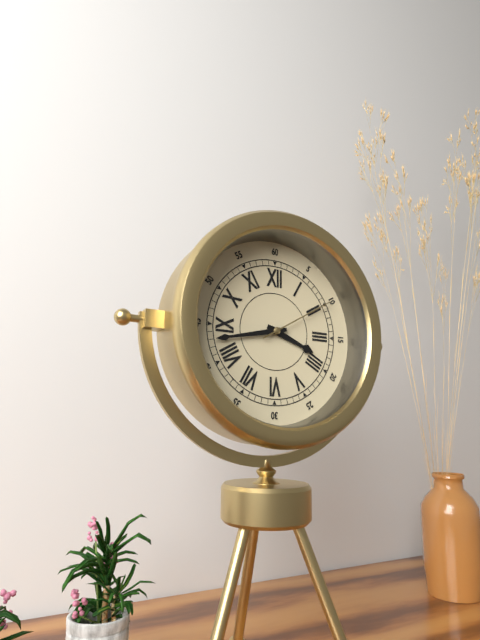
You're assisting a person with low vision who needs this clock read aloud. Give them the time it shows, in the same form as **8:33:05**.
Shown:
**3:43:10**
